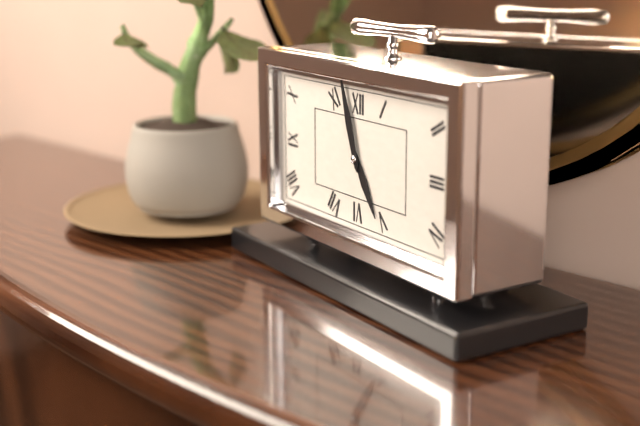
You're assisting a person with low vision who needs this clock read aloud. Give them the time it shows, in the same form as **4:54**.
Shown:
**4:57**
